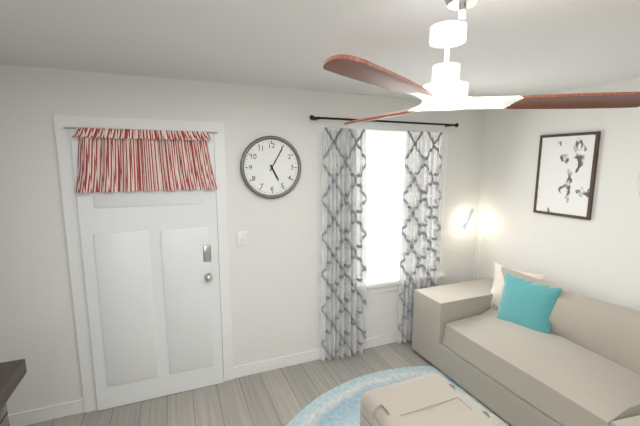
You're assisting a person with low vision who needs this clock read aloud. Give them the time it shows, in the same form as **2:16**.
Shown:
**5:05**
